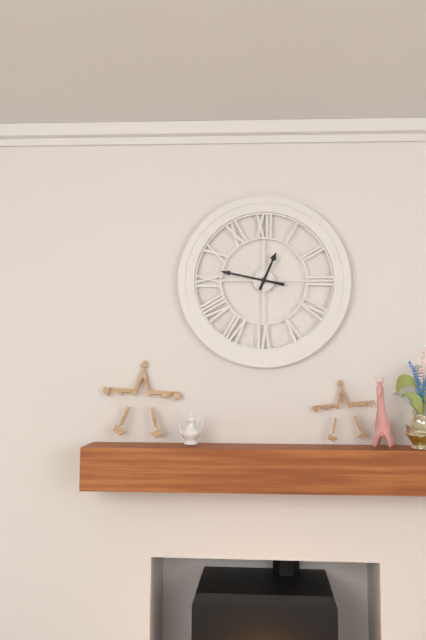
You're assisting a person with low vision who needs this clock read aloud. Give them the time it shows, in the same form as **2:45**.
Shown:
**12:47**
